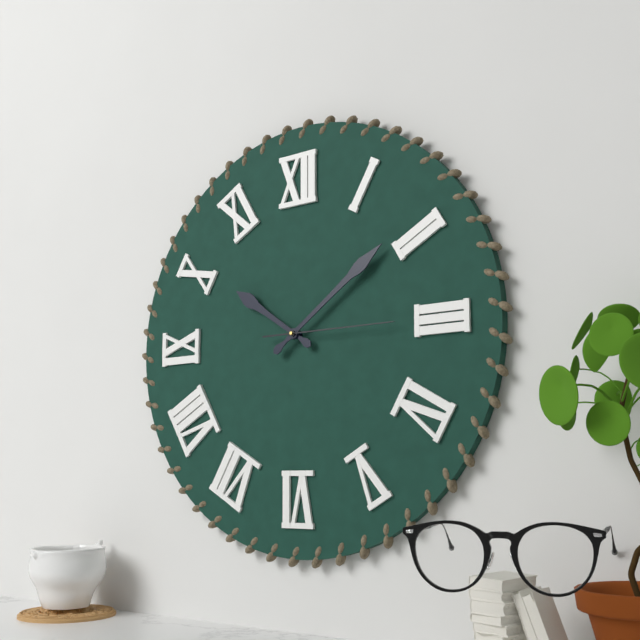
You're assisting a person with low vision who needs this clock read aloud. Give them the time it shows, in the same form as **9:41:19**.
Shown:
**10:09:15**
